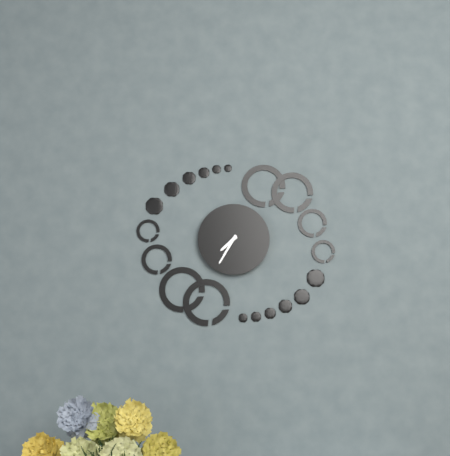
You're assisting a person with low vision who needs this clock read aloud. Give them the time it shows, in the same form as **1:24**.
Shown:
**7:35**
